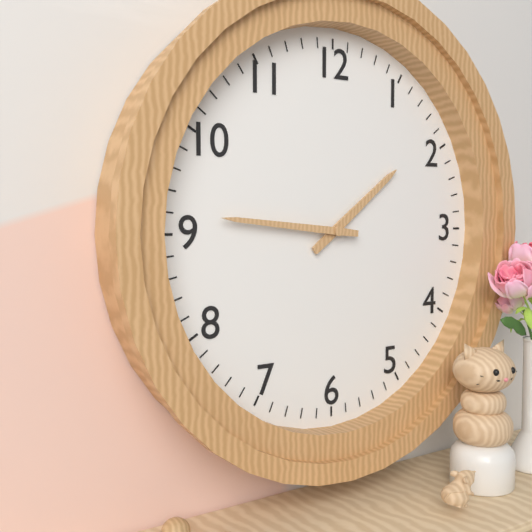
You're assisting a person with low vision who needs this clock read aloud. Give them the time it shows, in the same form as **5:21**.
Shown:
**1:46**
